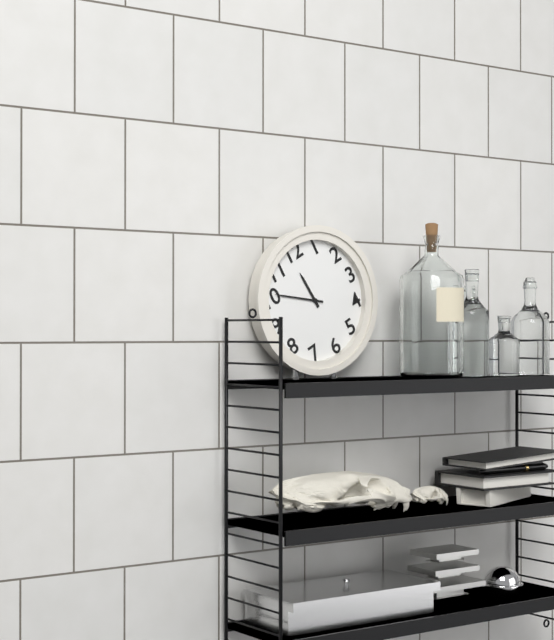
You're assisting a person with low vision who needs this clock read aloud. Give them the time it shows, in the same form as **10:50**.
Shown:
**11:51**
